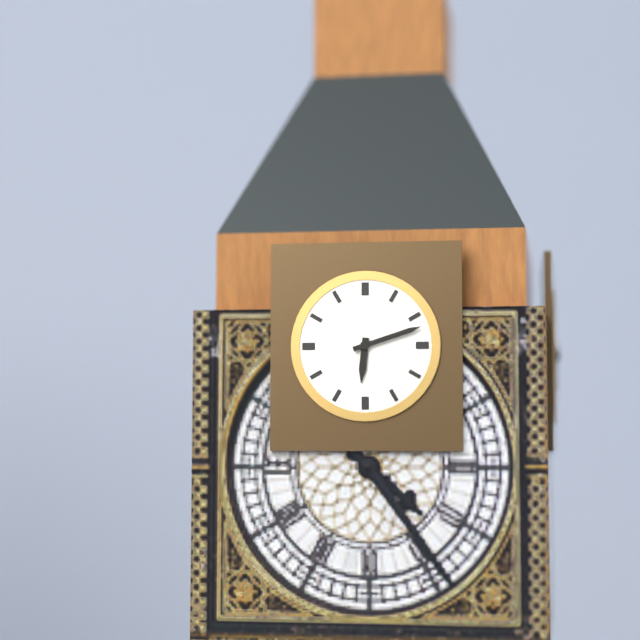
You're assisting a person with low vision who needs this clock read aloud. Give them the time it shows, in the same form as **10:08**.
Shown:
**6:12**
